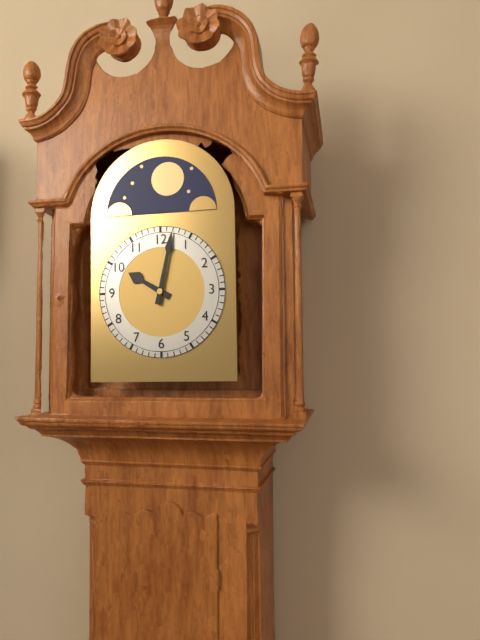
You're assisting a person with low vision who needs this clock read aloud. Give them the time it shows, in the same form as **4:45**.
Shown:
**10:02**
